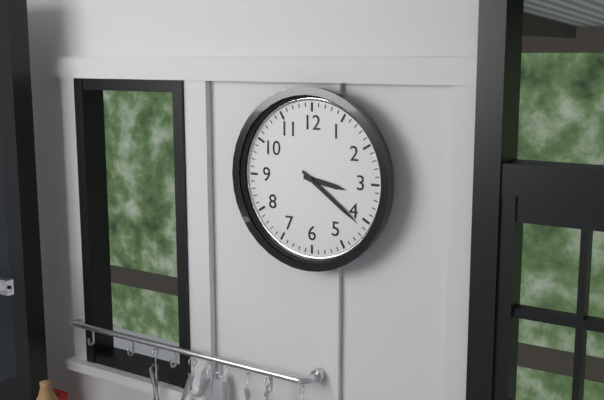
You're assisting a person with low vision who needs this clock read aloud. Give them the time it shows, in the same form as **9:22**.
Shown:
**3:21**
